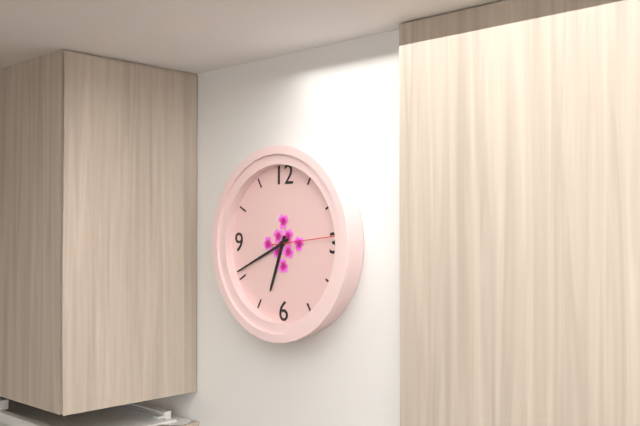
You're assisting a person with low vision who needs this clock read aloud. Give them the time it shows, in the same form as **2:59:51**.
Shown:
**6:41:14**
